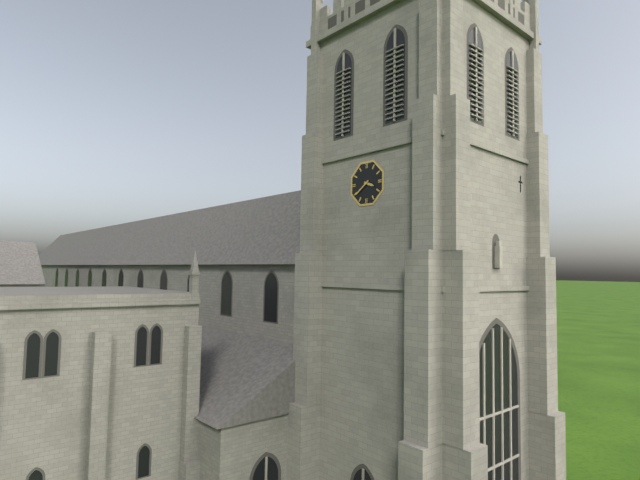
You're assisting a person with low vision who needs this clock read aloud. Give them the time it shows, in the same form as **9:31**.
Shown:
**3:39**
